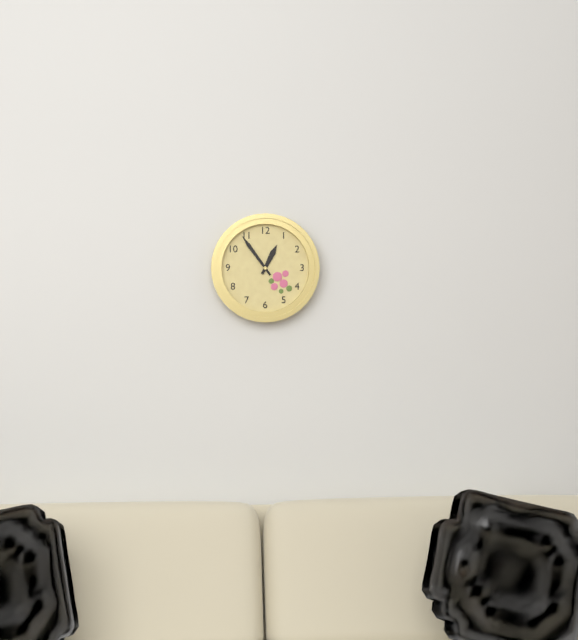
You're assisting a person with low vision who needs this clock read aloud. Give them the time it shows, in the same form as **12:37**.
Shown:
**12:54**
